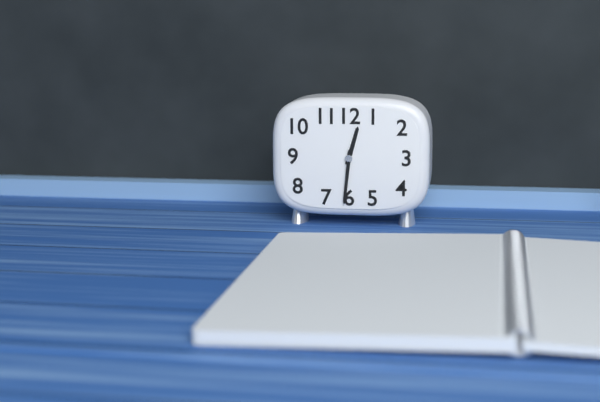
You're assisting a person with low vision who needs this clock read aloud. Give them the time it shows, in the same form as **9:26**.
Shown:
**12:31**
